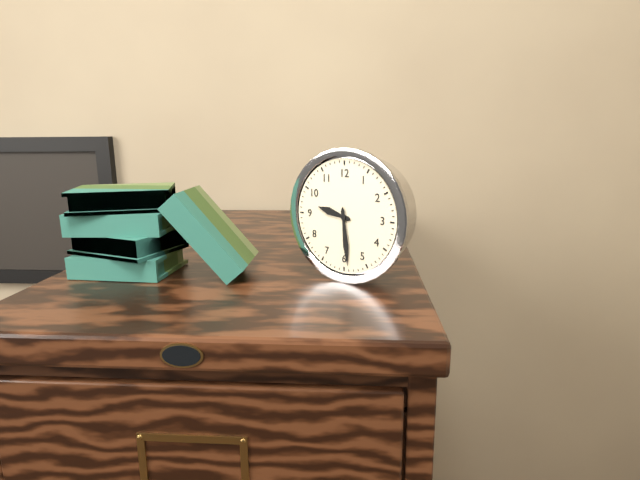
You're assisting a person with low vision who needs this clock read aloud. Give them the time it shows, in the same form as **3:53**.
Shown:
**9:29**
